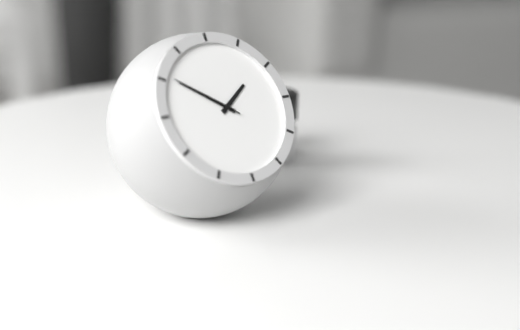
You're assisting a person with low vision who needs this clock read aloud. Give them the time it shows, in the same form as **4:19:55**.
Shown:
**1:51:51**
